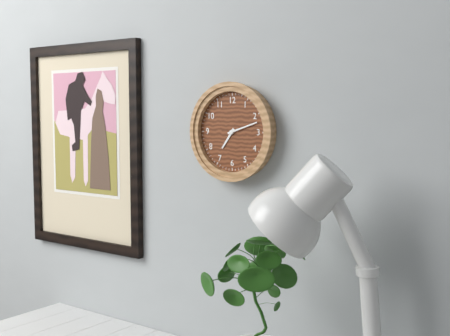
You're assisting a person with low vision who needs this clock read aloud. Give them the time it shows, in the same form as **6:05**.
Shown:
**7:12**
